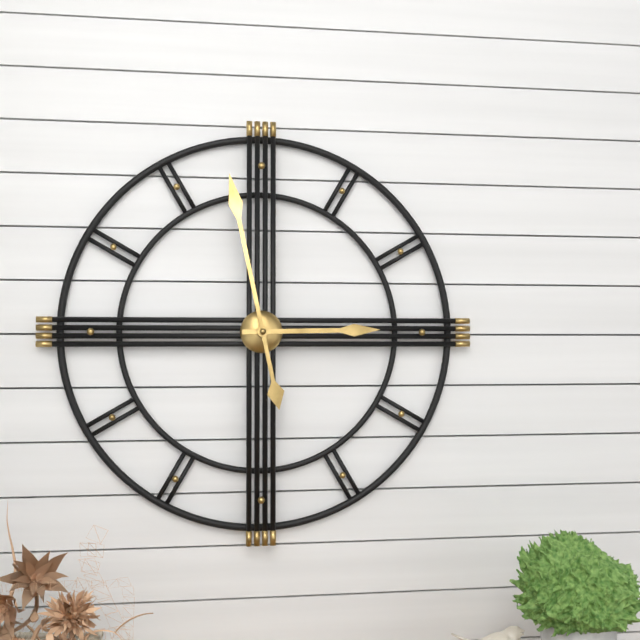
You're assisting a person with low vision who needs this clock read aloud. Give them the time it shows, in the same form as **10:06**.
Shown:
**2:58**
